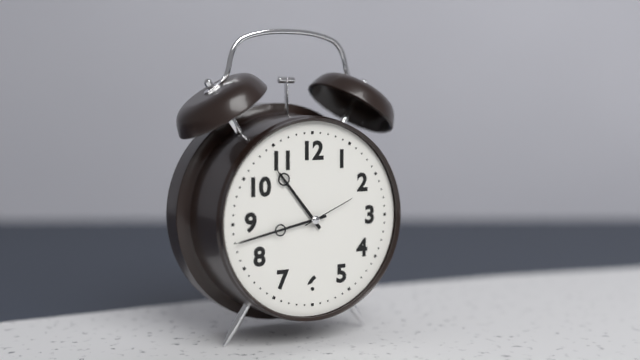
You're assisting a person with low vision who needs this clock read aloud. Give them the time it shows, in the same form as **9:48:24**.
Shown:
**10:43:11**
